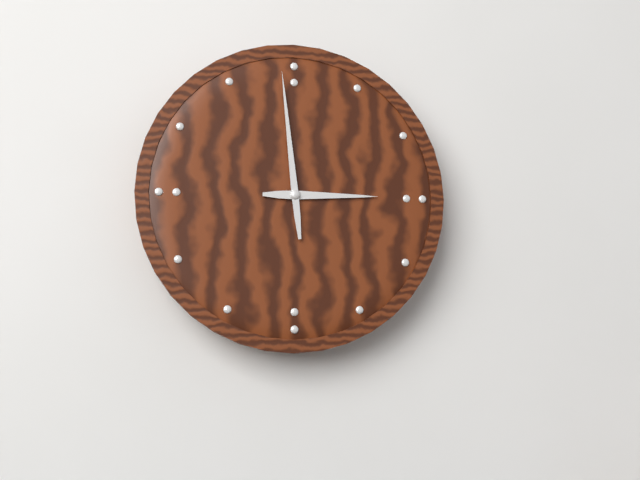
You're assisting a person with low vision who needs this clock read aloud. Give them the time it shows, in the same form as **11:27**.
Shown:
**2:59**
